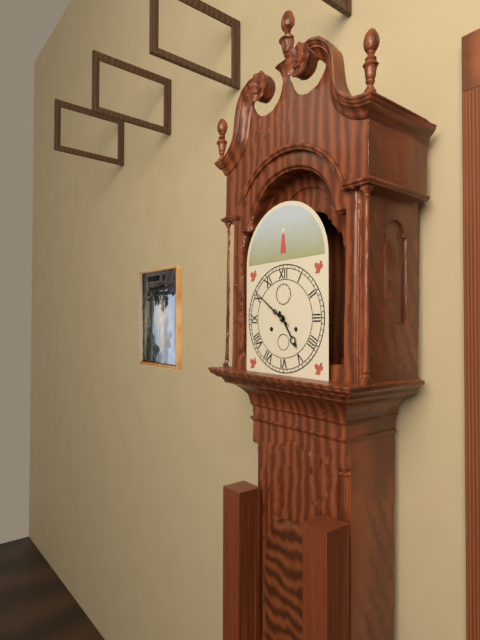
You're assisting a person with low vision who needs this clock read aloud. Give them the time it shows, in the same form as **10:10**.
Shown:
**4:51**
